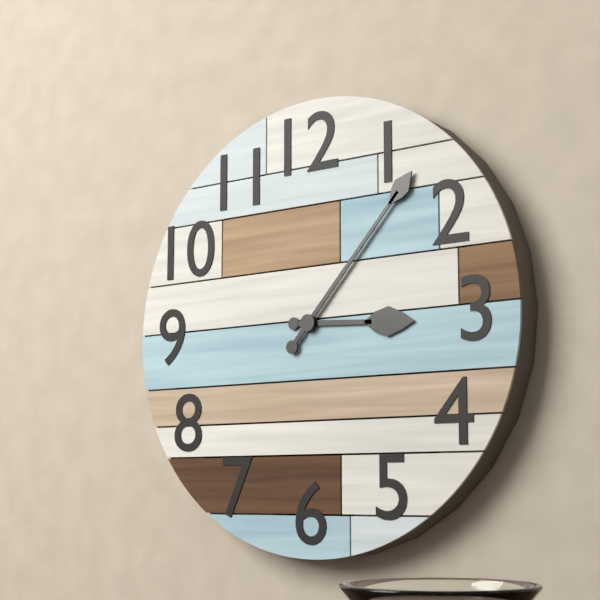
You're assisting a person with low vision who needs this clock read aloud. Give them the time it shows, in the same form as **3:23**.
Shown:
**3:07**
